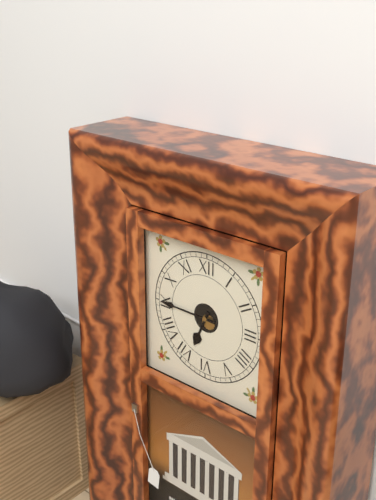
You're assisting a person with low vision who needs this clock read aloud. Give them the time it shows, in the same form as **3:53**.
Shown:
**6:45**
